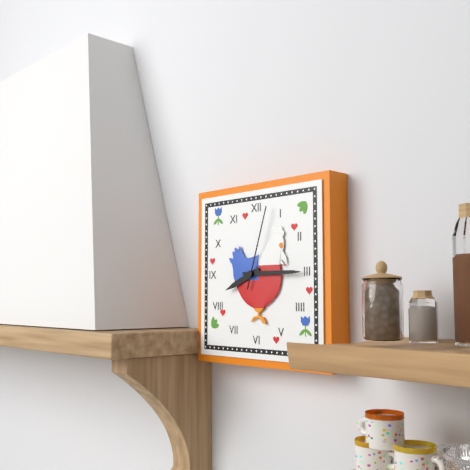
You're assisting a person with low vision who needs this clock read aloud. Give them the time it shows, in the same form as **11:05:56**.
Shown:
**8:15:03**
